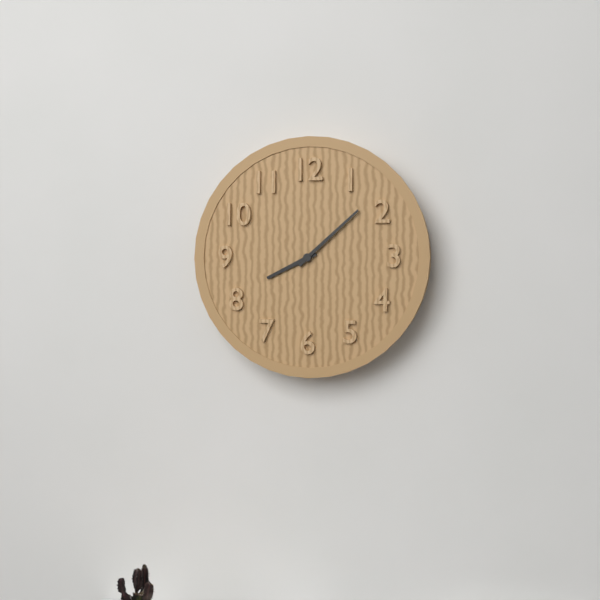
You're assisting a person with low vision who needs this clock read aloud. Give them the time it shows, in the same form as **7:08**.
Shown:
**8:08**
